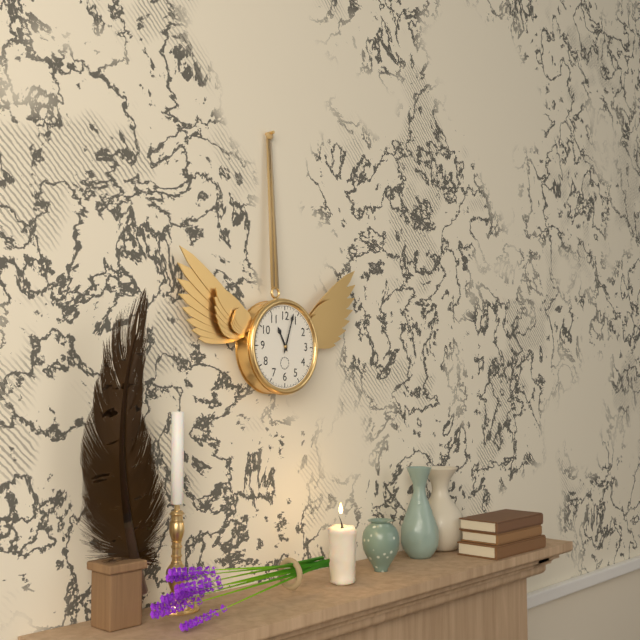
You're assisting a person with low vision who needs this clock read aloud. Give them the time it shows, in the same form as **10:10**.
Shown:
**11:03**
